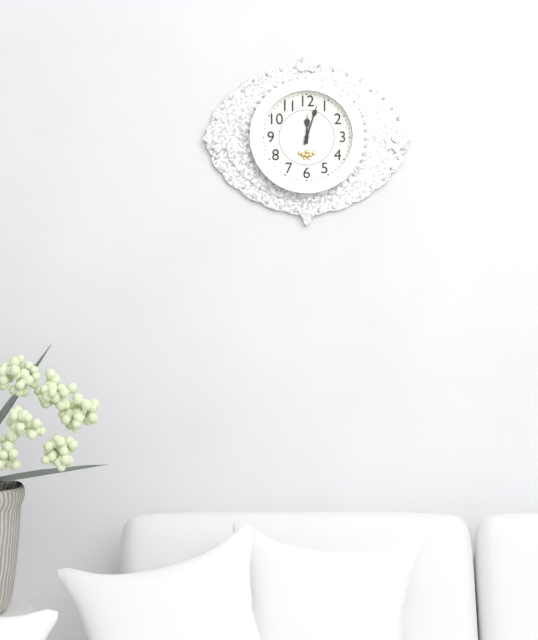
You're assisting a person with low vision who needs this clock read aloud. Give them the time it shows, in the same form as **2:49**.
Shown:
**12:03**
